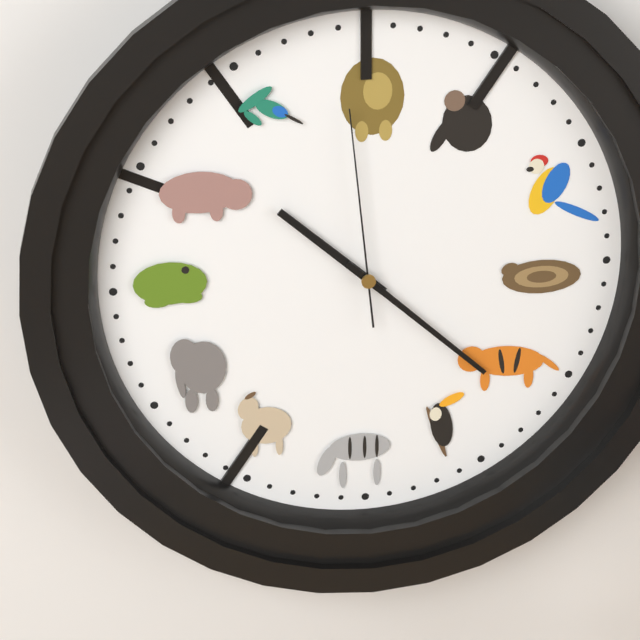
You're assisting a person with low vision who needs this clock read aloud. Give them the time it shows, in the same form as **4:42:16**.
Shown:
**10:22:59**
